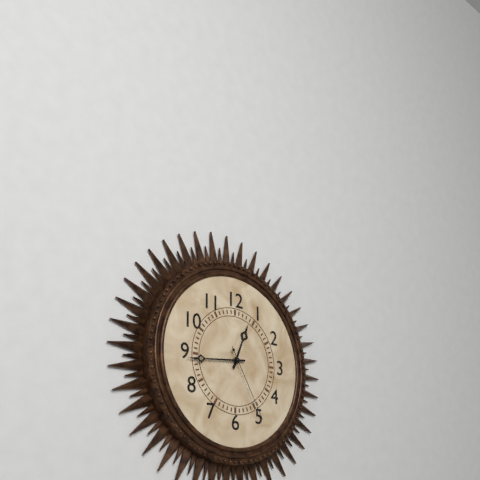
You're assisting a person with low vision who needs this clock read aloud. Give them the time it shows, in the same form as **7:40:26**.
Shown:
**12:44:25**
